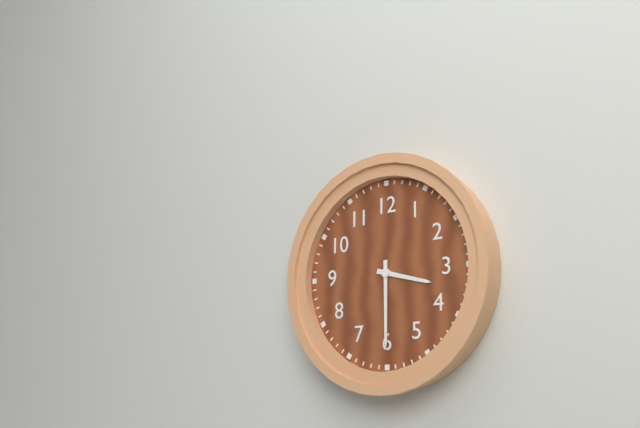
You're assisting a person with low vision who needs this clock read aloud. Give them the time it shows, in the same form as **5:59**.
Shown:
**3:30**
